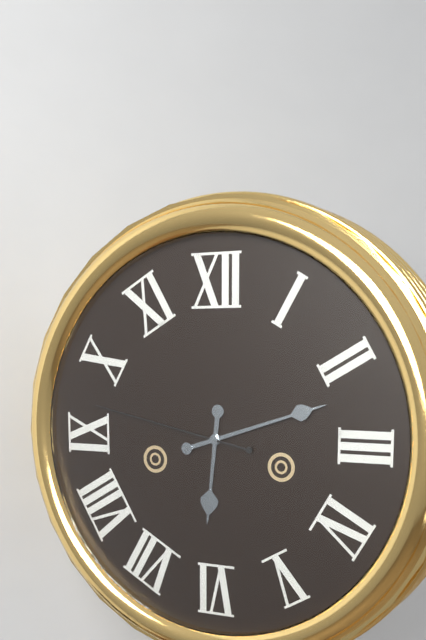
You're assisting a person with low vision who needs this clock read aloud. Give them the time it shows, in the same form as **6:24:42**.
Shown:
**6:12:47**
